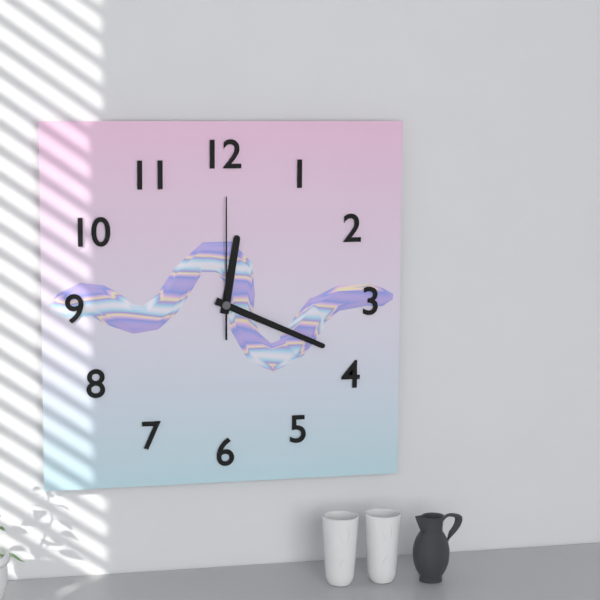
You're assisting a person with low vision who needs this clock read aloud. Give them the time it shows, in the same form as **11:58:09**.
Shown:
**12:19:00**
